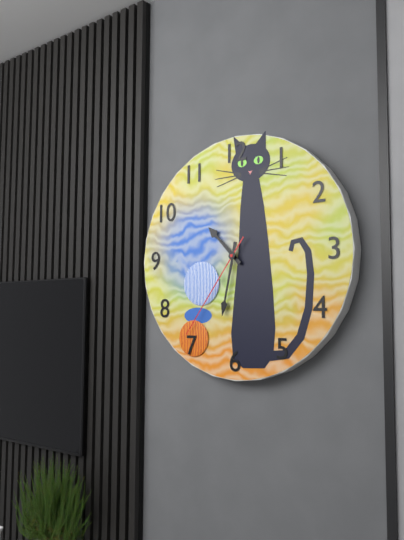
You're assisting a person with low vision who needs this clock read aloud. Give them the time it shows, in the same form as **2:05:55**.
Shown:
**10:32:36**
